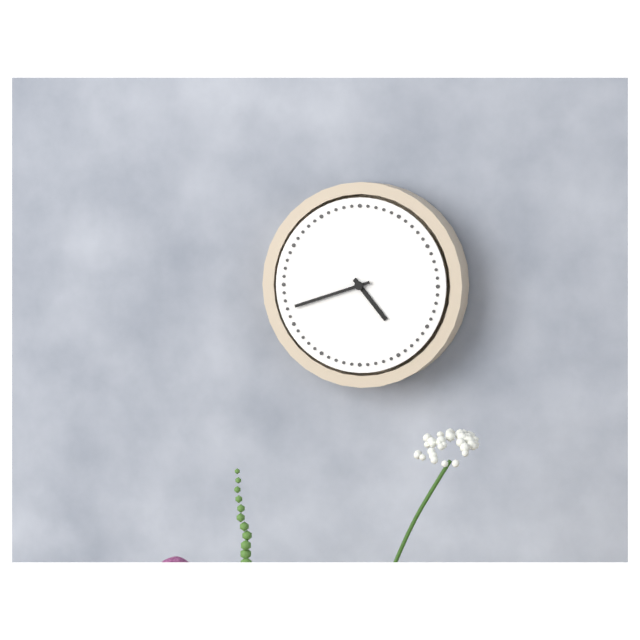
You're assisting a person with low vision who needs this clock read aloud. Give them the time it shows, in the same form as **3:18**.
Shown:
**4:42**
